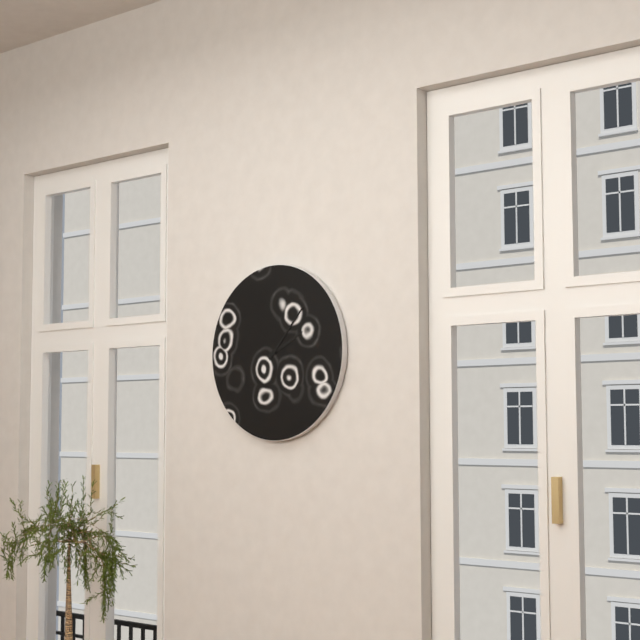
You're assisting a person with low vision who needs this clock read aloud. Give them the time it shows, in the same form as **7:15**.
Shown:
**2:07**
